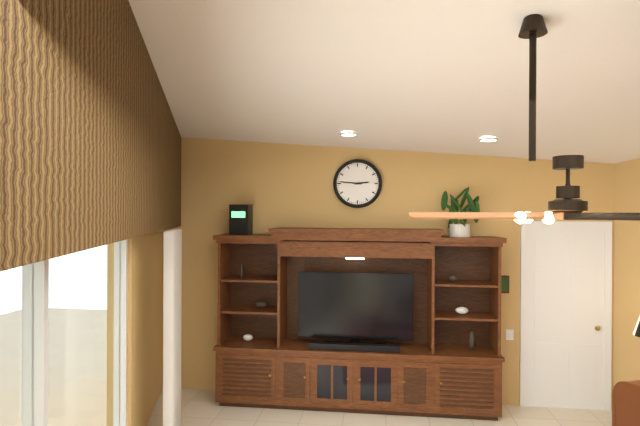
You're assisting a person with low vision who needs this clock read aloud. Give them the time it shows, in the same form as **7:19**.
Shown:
**2:46**
